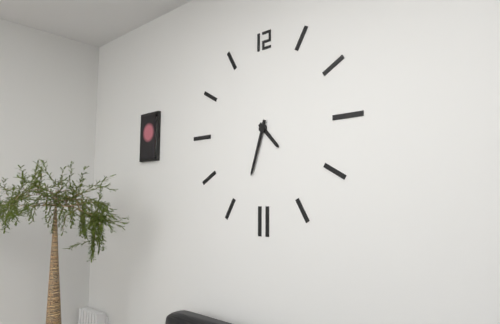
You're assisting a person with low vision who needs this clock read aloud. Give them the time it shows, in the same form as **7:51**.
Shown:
**4:33**
